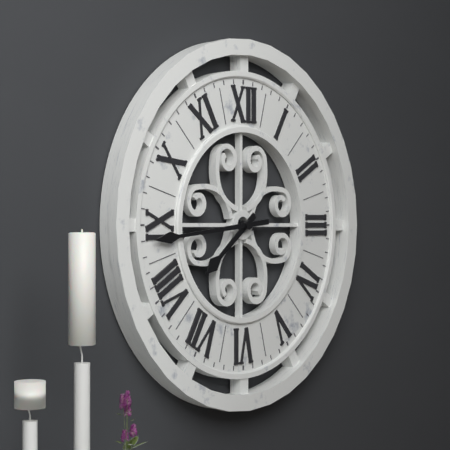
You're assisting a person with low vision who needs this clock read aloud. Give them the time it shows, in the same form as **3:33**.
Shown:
**7:44**
